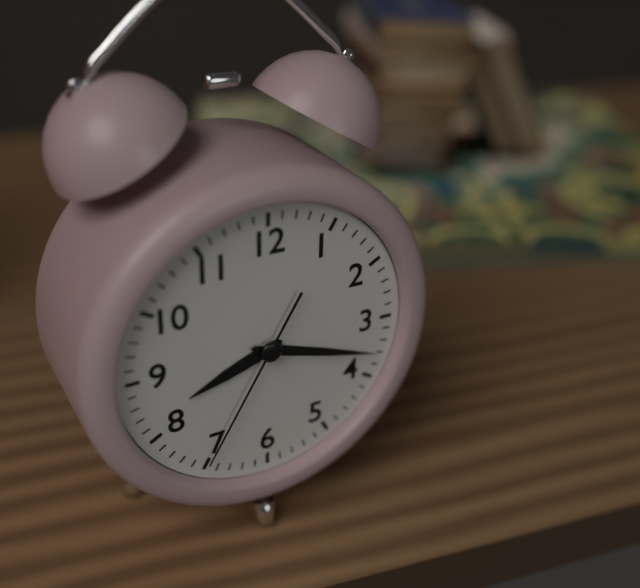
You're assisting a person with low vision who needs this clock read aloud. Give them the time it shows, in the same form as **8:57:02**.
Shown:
**8:18:35**
